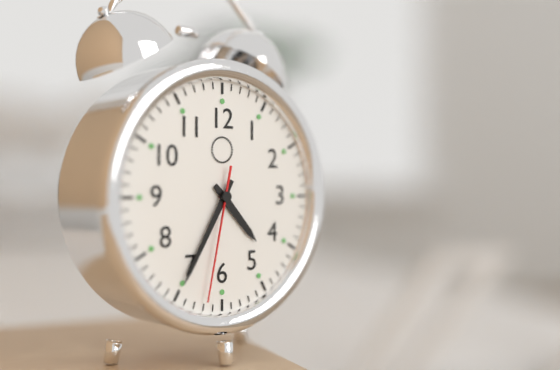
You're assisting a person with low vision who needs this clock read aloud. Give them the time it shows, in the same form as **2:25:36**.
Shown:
**4:35:32**
